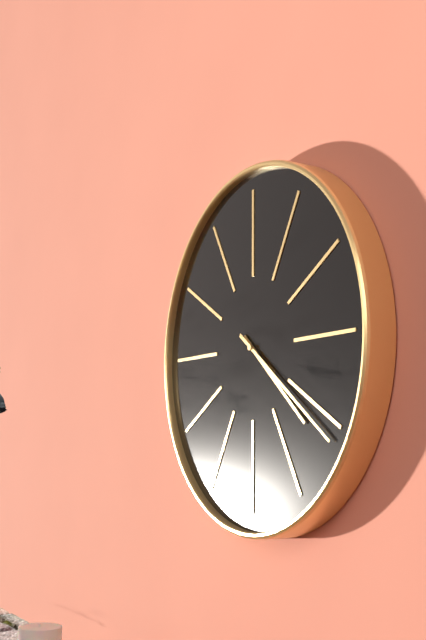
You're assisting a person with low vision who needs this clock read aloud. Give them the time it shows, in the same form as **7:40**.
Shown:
**4:21**
